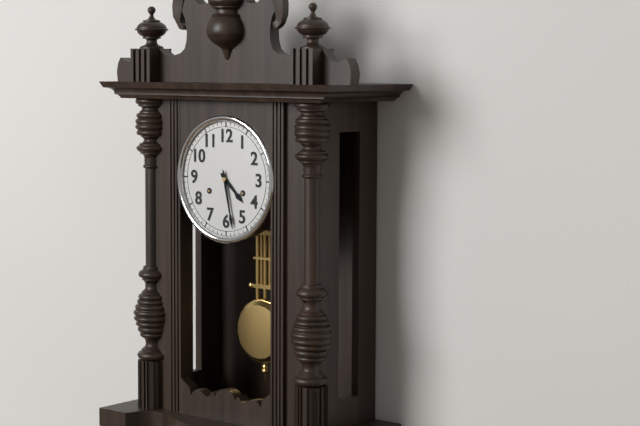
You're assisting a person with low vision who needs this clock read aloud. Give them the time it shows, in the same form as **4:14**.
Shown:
**4:28**
